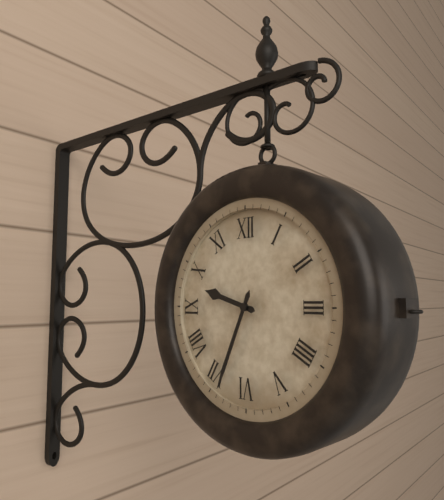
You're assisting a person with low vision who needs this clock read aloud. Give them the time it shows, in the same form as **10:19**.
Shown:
**9:34**
